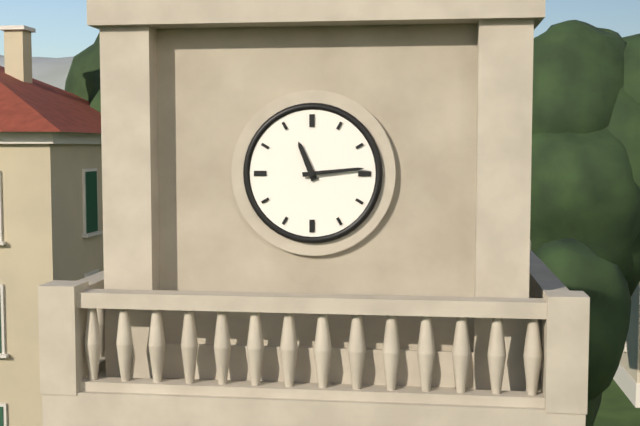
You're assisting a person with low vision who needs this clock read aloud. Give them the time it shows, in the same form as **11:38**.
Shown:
**11:14**
